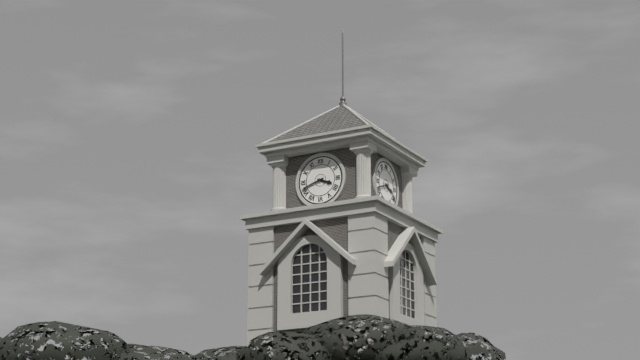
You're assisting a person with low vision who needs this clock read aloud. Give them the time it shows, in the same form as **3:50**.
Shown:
**3:42**
